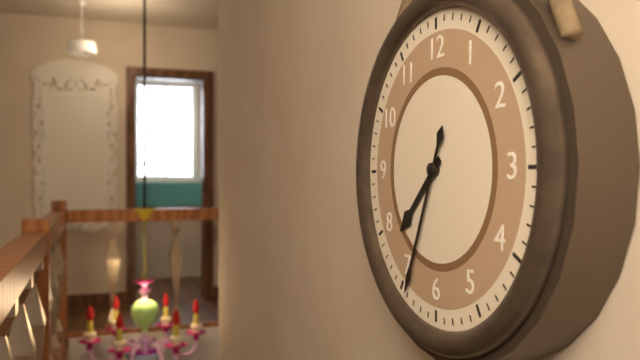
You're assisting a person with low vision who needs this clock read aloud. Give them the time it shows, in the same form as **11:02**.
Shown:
**7:34**
